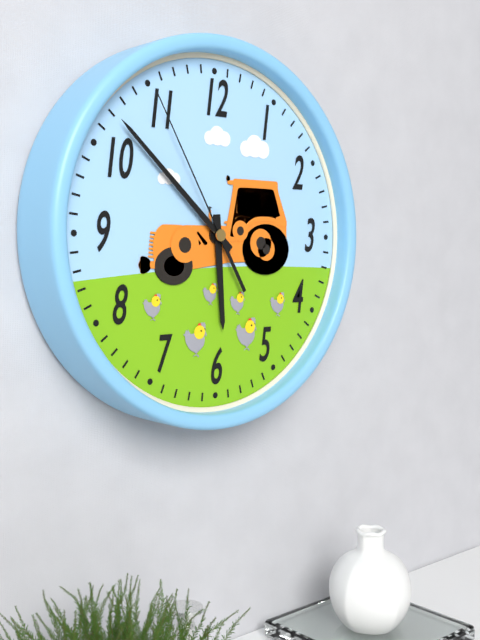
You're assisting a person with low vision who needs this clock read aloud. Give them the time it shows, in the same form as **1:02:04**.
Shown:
**5:52:55**
